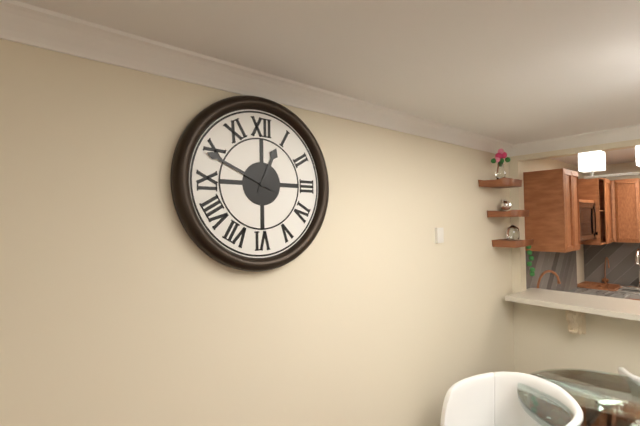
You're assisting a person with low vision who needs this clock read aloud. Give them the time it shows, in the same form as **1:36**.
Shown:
**12:49**
